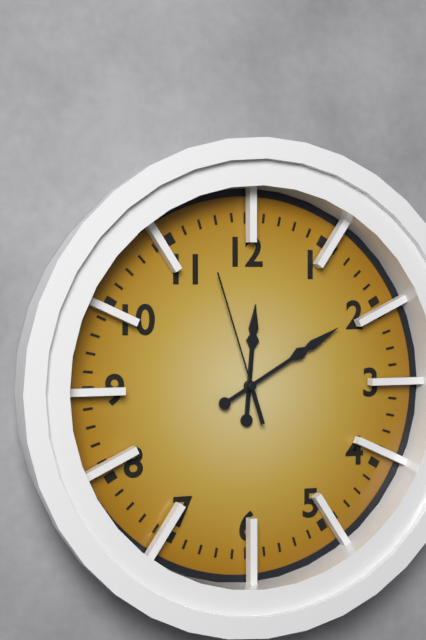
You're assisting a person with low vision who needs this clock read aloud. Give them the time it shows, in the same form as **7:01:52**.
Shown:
**12:10:57**
